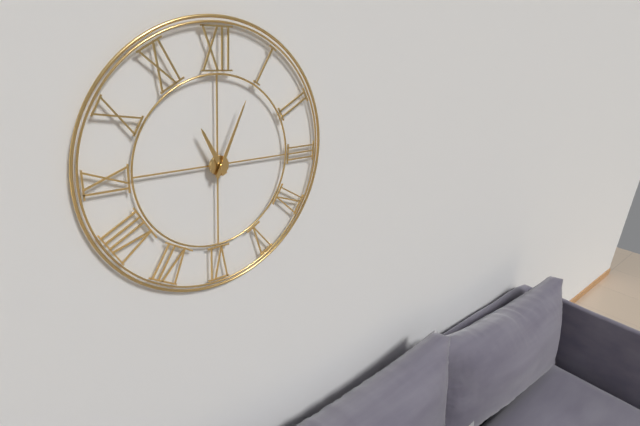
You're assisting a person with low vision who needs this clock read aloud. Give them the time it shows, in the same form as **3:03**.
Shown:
**11:04**
